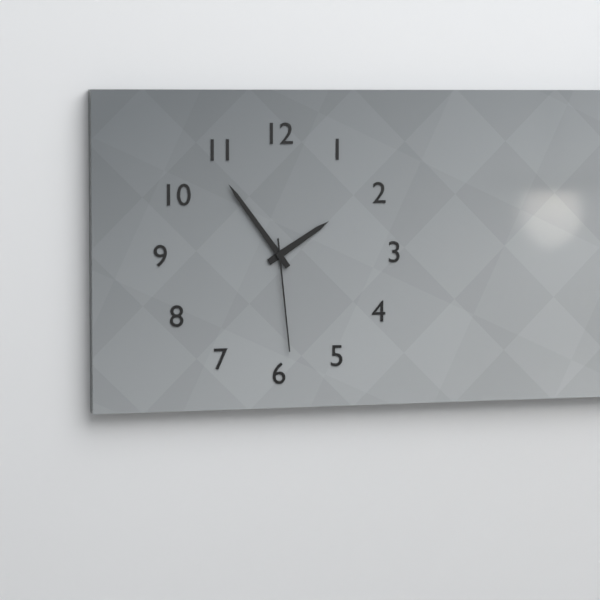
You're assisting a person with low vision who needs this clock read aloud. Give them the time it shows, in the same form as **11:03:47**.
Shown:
**1:54:29**
